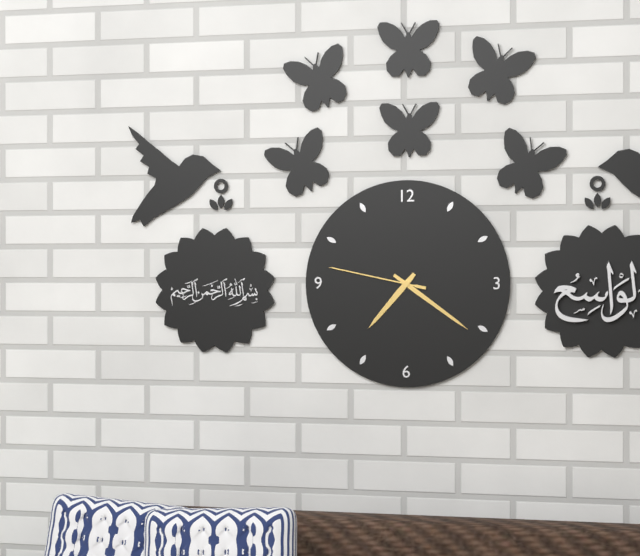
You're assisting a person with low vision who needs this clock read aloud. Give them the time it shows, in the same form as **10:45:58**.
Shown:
**7:21:47**
